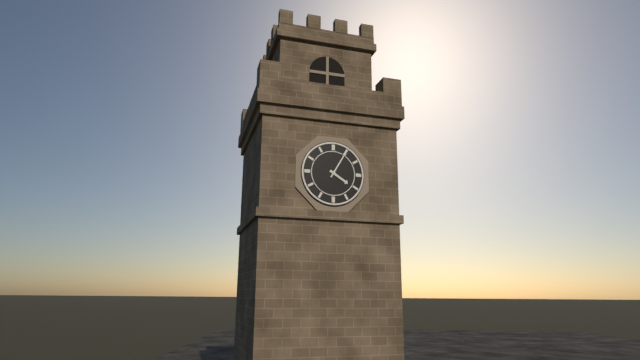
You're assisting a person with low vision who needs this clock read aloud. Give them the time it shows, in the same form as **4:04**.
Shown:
**4:05**
